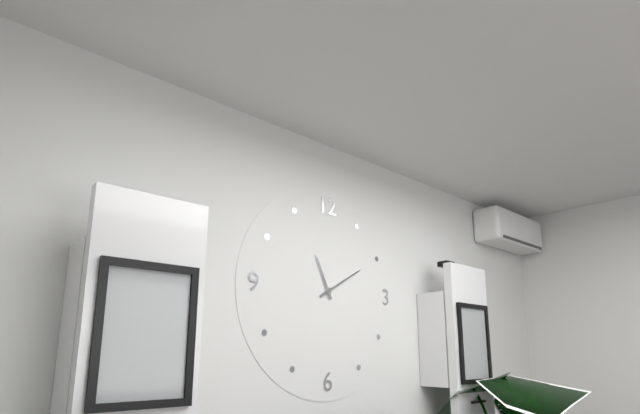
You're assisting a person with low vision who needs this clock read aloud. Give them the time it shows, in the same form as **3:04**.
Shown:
**11:10**
